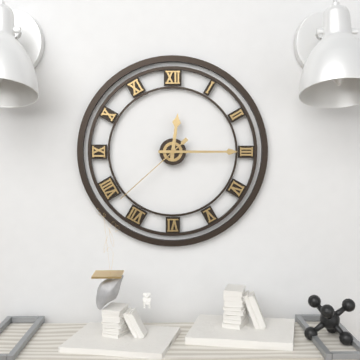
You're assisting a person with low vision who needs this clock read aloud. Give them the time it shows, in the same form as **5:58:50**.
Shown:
**12:15:38**
